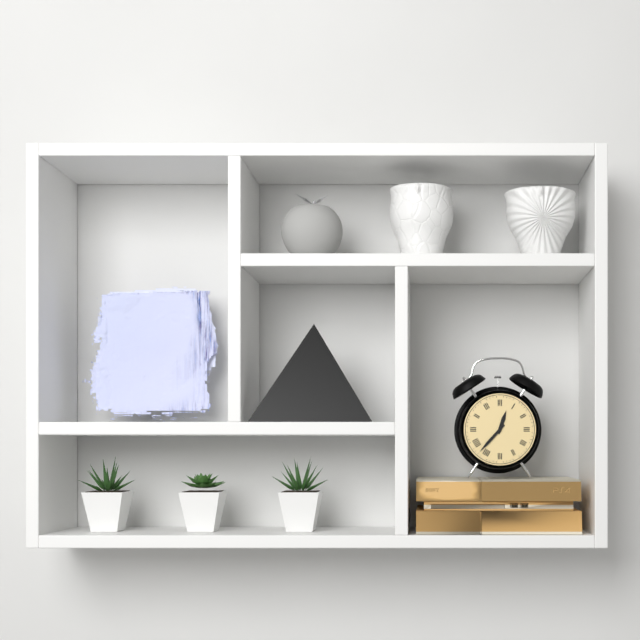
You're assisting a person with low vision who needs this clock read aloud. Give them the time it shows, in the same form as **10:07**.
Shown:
**12:37**
